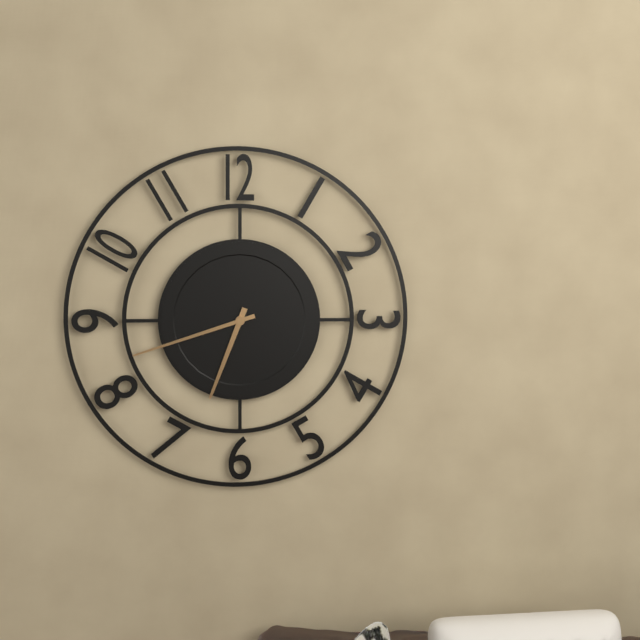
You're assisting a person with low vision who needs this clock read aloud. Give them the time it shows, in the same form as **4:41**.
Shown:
**6:42**
